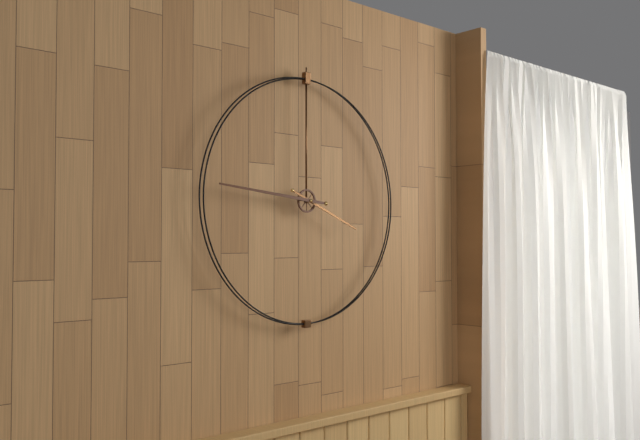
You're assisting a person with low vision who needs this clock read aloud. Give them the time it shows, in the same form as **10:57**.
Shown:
**3:46**
